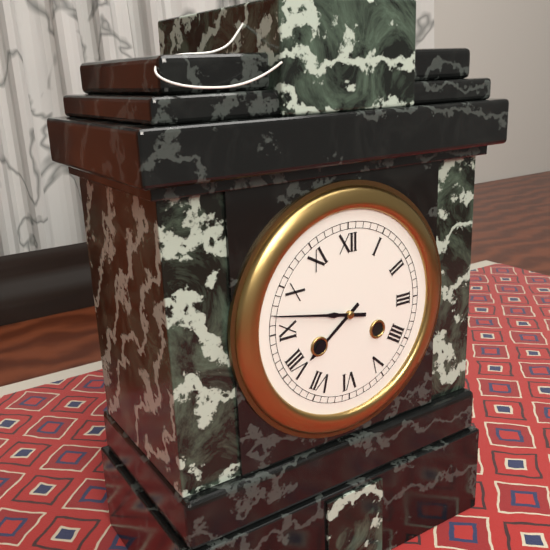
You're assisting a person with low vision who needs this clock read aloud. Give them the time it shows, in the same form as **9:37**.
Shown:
**7:47**
